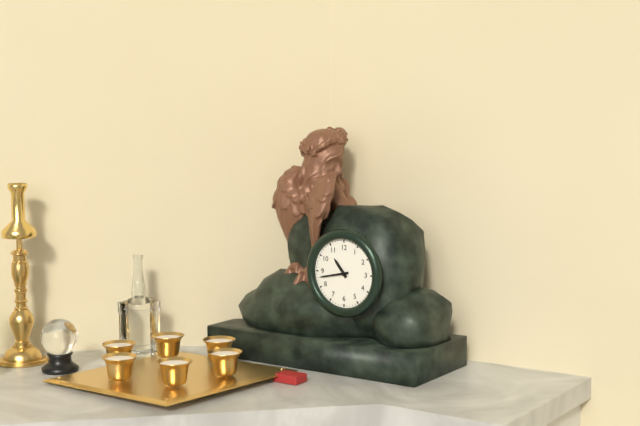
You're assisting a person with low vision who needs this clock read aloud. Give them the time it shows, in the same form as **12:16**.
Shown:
**10:43**
